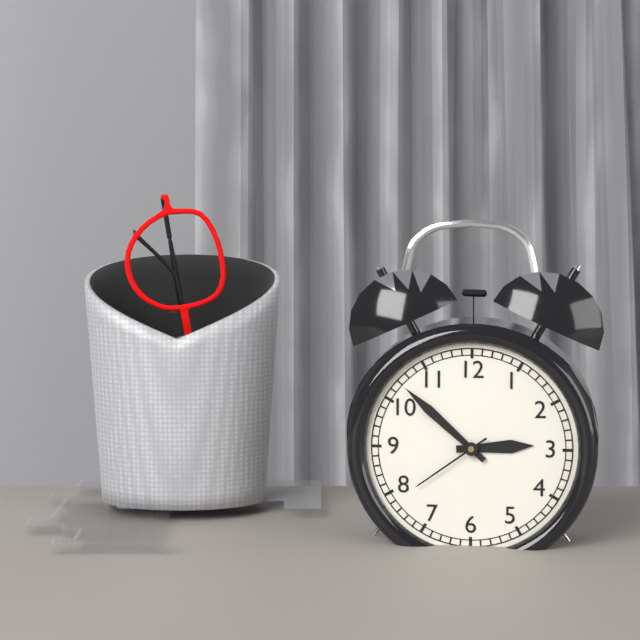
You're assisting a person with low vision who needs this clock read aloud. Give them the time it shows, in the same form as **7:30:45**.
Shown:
**2:52:39**
